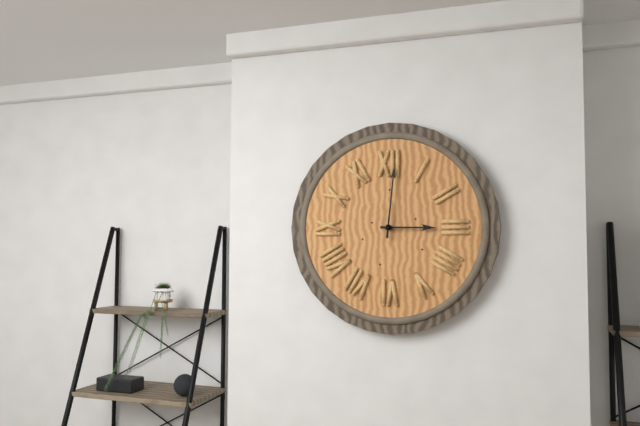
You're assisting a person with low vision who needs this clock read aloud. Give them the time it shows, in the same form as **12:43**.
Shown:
**3:01**
